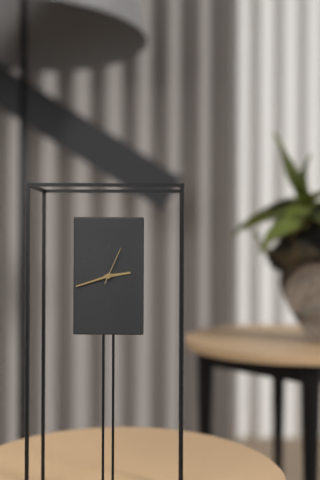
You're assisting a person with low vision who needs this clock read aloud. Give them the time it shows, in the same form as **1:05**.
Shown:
**2:42**
